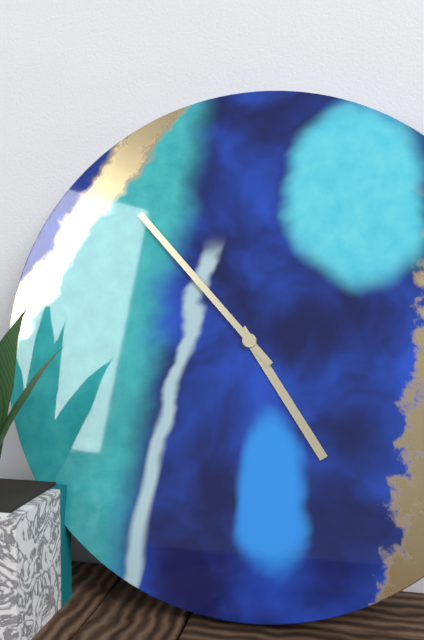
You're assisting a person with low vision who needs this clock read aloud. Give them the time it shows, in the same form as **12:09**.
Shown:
**4:53**
